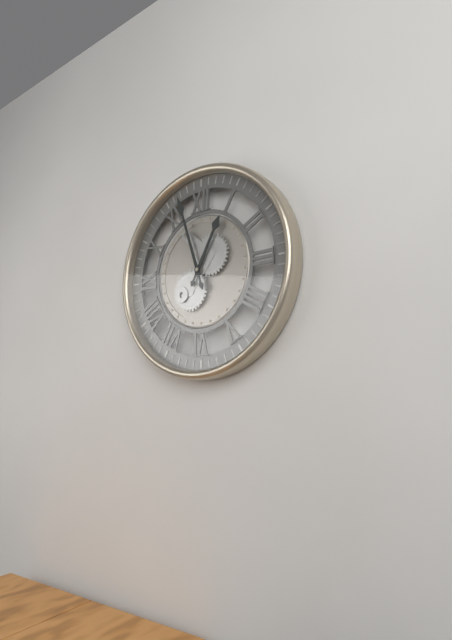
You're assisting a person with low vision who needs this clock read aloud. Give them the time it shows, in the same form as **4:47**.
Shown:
**12:57**
